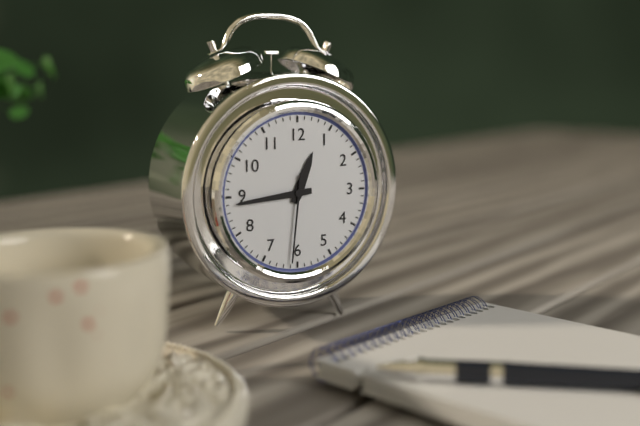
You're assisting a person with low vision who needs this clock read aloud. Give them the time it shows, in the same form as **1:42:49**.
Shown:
**12:44:31**
